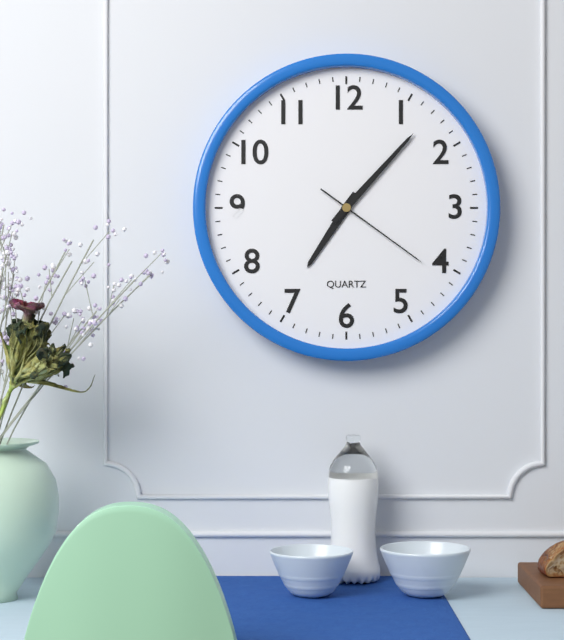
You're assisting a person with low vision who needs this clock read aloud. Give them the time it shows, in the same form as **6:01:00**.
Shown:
**7:07:21**
